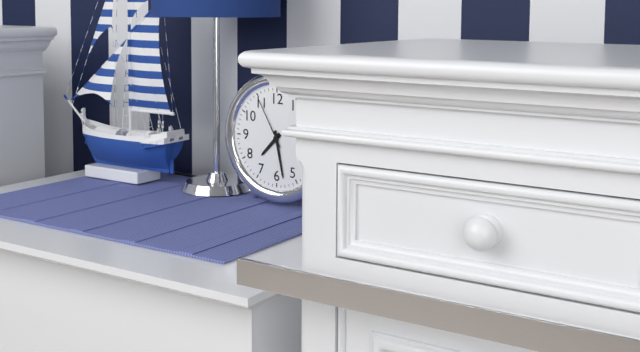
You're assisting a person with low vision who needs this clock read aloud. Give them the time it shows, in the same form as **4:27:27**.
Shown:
**7:28:55**
